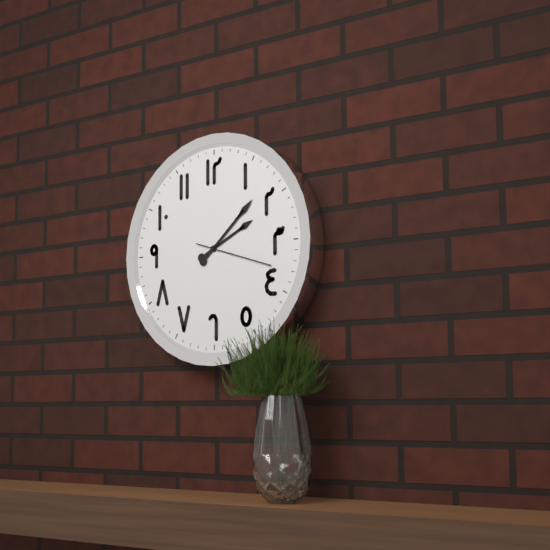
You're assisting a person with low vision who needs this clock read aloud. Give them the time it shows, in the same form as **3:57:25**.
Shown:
**2:08:18**
